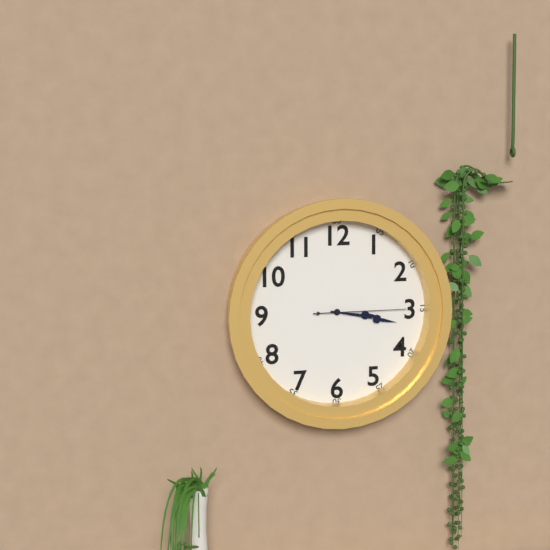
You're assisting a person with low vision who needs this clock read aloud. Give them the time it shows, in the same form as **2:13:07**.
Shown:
**3:17:15**
